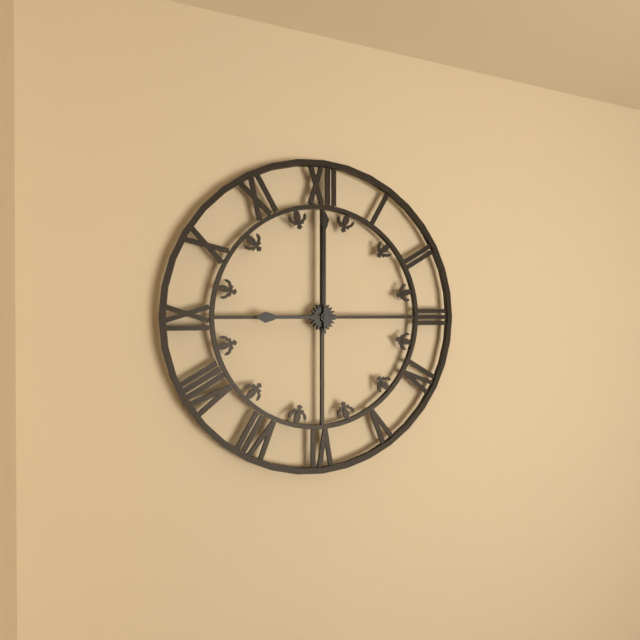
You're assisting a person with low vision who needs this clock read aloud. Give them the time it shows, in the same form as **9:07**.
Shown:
**9:00**
